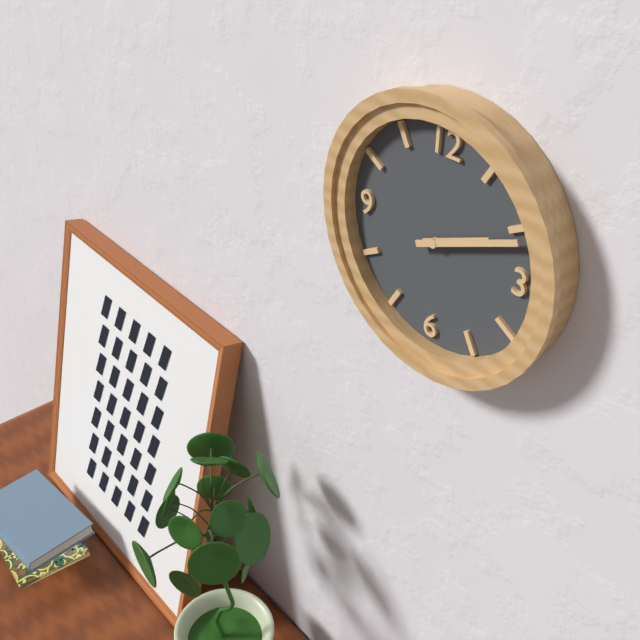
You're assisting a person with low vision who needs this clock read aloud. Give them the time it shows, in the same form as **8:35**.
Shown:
**2:11**
